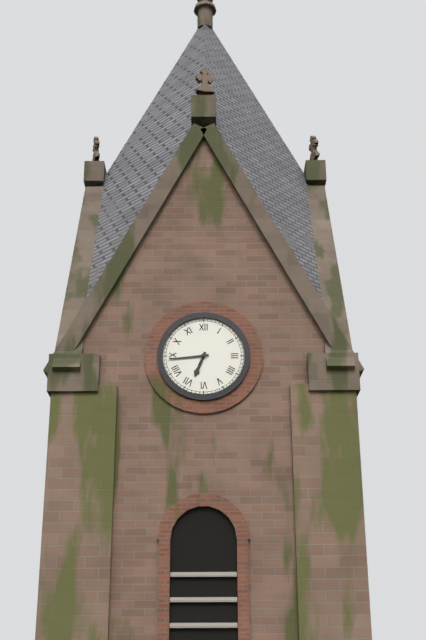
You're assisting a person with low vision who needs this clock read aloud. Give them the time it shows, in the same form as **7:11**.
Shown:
**6:44**
